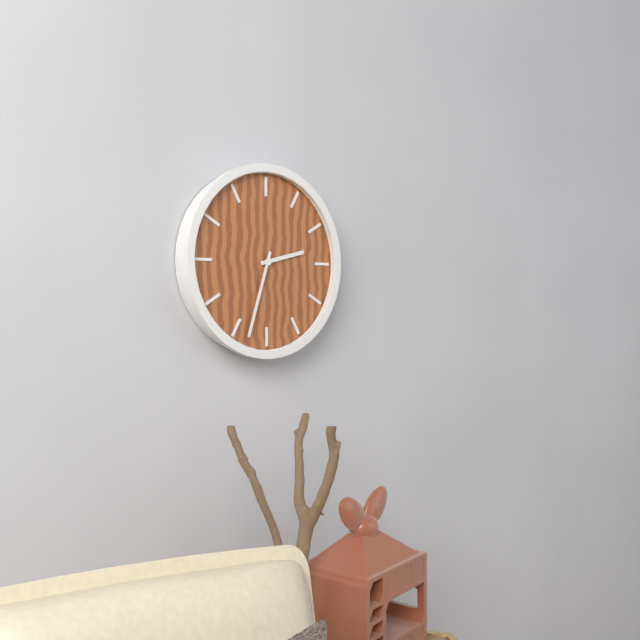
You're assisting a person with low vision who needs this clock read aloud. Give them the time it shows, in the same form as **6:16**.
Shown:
**2:33**
